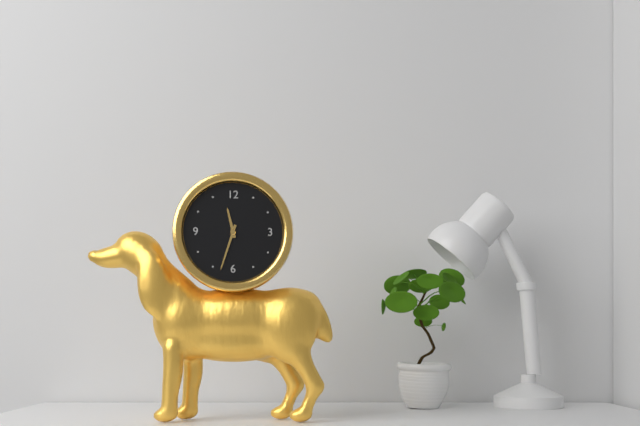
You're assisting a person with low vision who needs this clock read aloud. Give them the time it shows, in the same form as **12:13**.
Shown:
**11:33**
